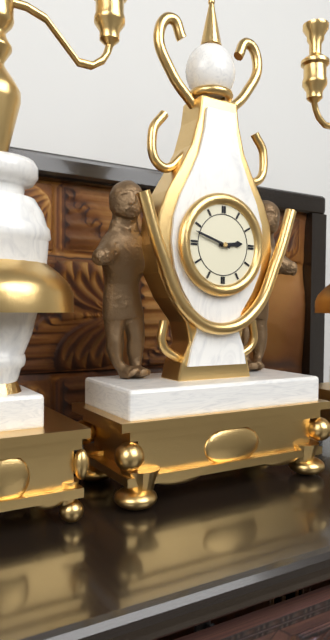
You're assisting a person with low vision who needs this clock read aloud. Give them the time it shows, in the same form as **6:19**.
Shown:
**2:48**
